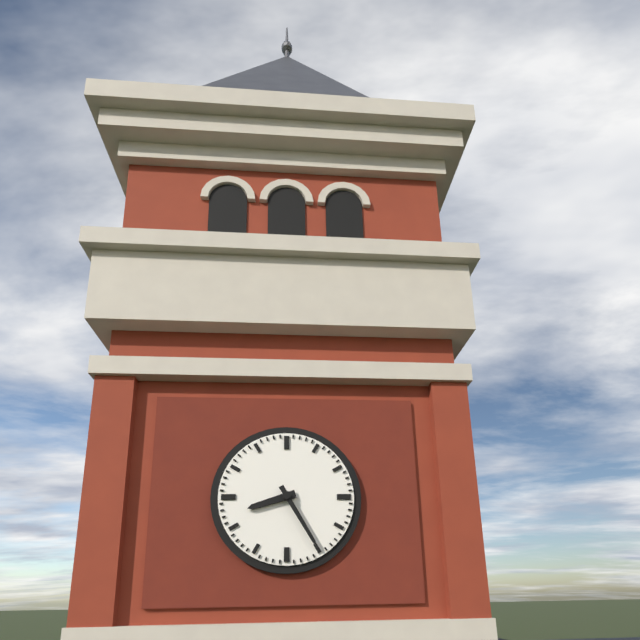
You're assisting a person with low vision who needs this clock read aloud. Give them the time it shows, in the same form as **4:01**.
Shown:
**8:25**
